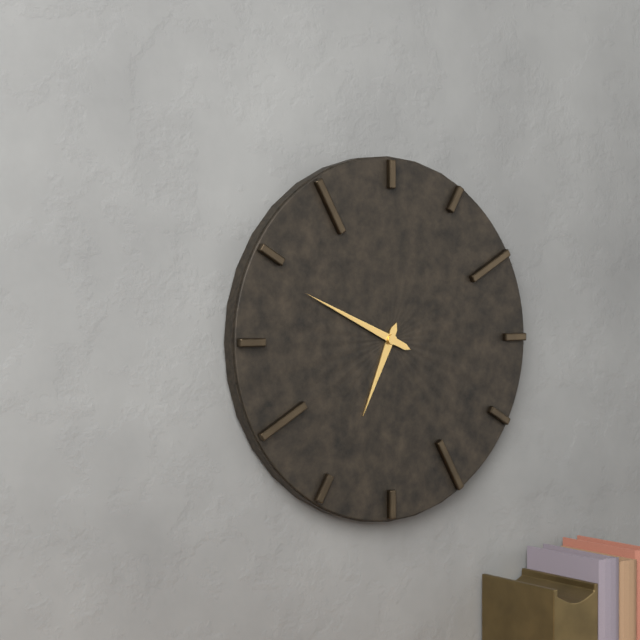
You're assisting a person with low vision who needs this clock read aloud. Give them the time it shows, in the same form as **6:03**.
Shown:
**6:49**
